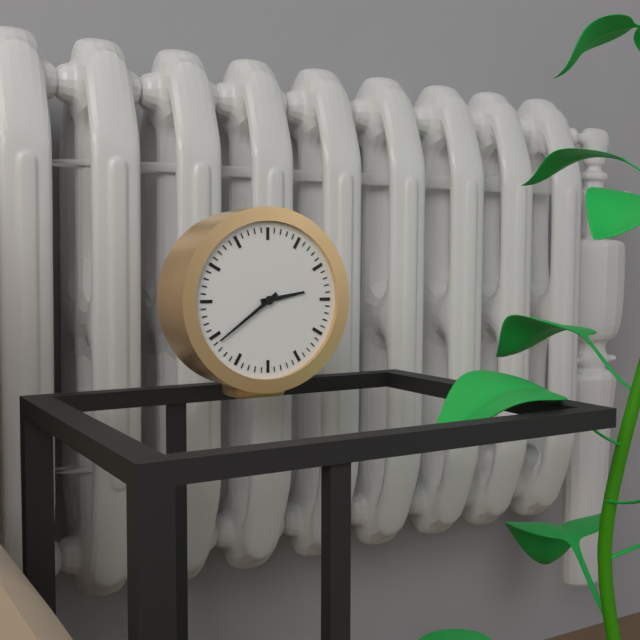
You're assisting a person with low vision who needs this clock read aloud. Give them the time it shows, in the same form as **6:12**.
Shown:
**2:39**
